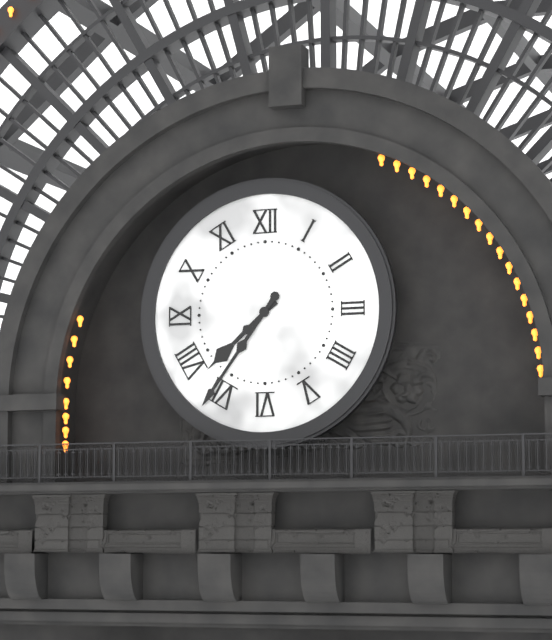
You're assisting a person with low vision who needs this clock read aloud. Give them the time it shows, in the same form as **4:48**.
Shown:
**7:36**
